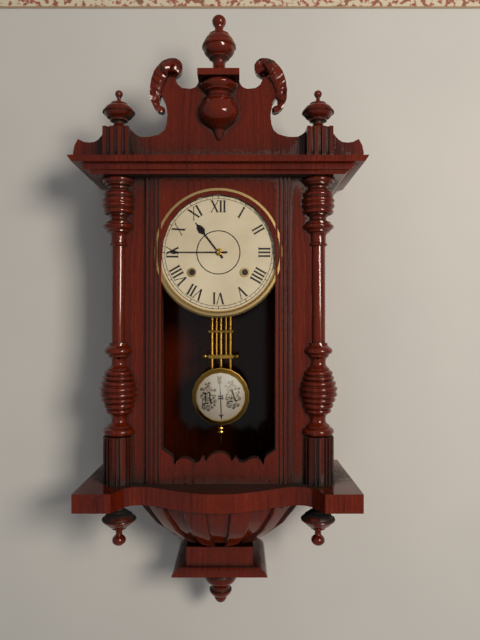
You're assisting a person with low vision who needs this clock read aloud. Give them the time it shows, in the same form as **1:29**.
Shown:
**10:45**
